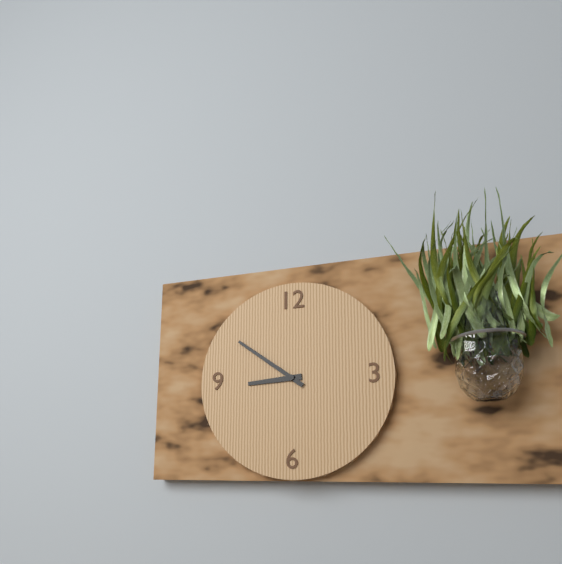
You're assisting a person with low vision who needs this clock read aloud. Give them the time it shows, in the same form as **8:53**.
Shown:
**8:51**
